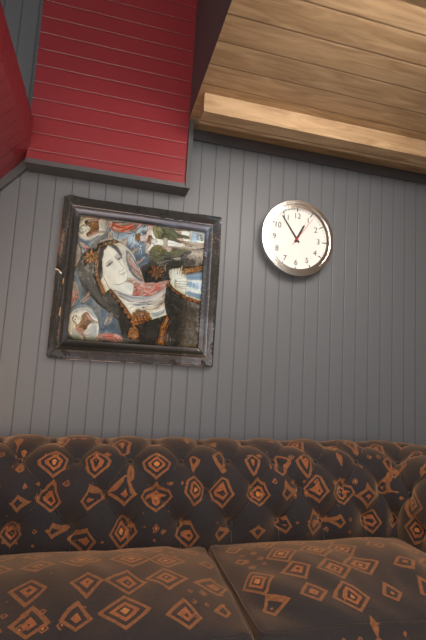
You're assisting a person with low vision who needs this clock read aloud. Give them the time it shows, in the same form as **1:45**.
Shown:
**12:54**
